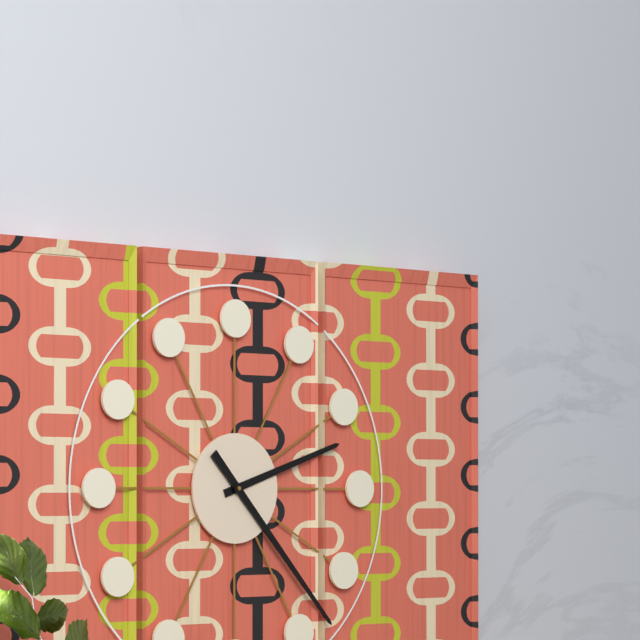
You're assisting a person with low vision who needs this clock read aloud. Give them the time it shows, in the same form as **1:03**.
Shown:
**2:23**
